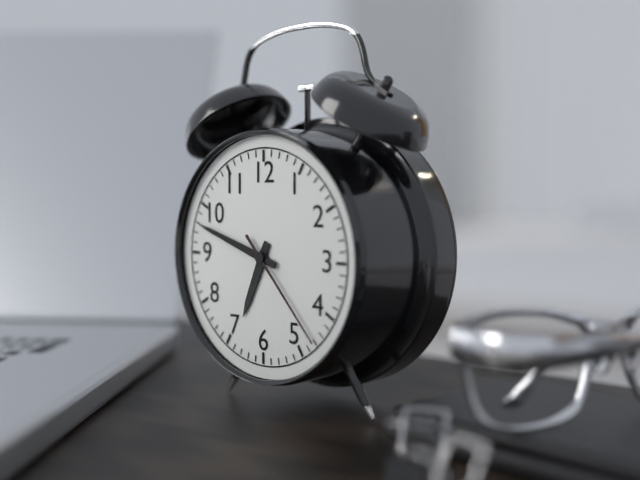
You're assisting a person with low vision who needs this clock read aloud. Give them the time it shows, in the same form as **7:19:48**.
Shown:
**6:48:23**
